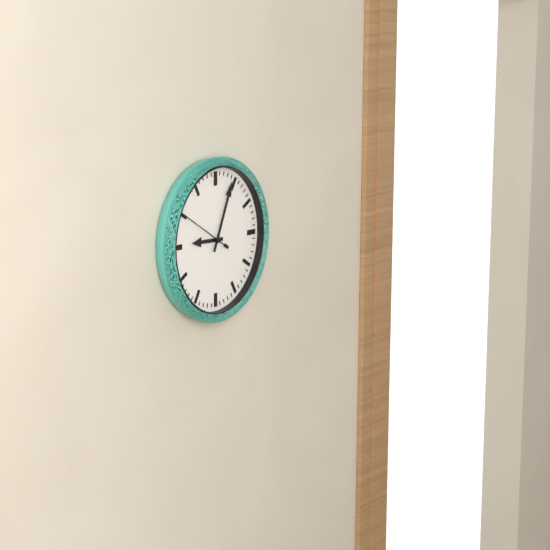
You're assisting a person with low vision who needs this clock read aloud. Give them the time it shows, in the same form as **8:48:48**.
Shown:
**9:04:50**
